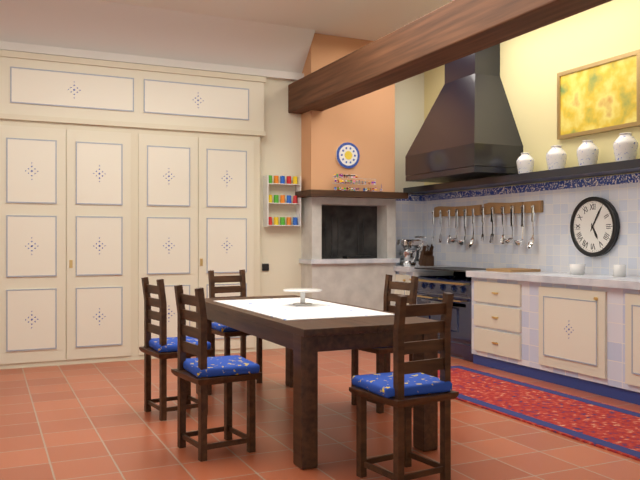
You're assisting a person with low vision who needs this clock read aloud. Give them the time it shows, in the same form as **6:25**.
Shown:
**5:05**
